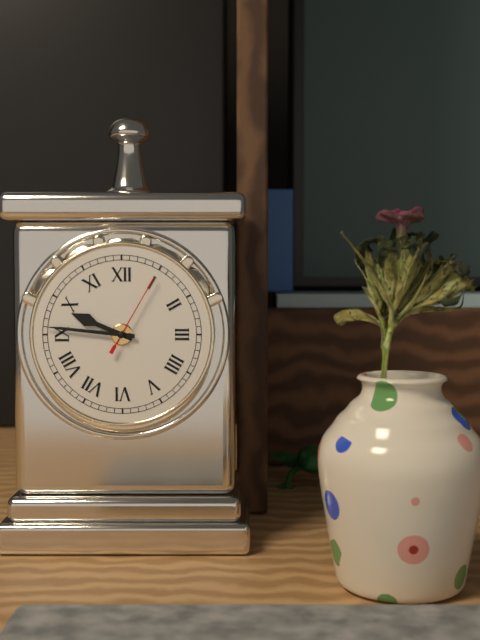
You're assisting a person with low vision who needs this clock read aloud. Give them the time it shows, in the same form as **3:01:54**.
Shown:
**9:46:05**
